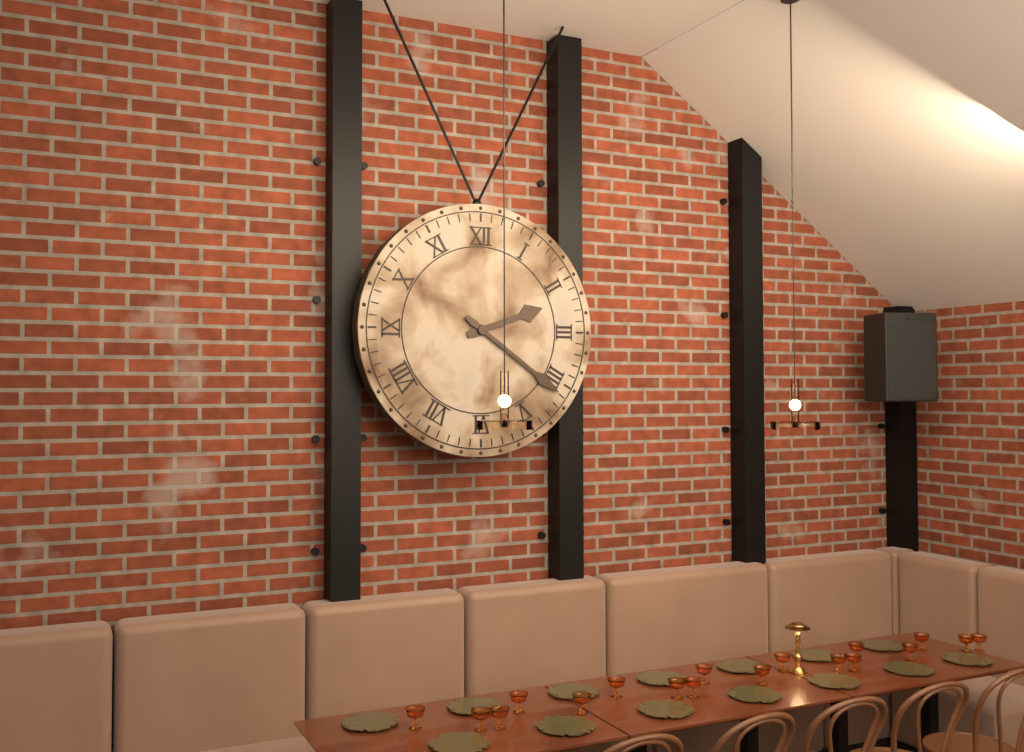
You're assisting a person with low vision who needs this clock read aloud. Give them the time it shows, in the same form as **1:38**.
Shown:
**2:21**
